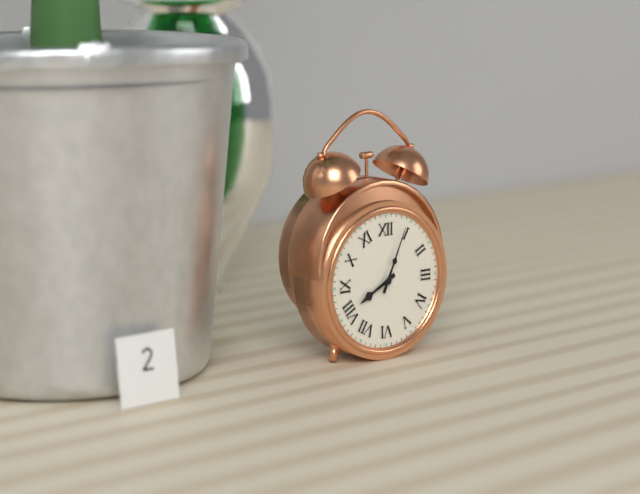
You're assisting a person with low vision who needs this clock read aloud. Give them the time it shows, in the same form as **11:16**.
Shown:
**8:04**
